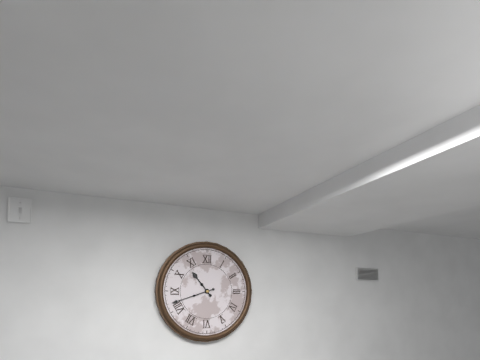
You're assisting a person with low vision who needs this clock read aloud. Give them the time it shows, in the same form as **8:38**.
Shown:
**10:42**
